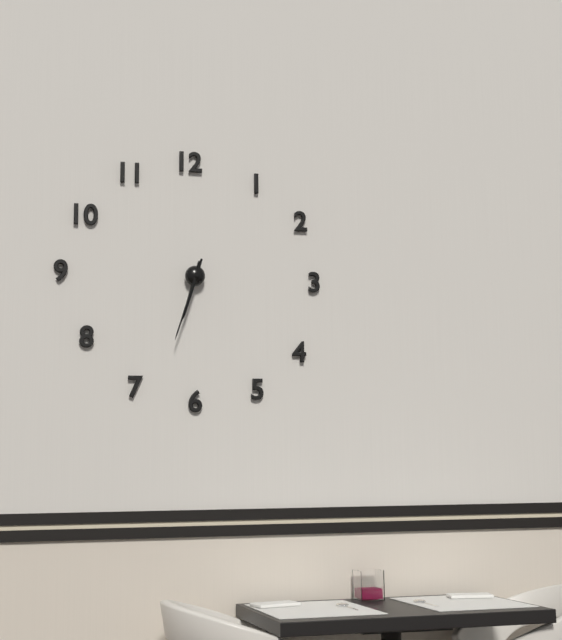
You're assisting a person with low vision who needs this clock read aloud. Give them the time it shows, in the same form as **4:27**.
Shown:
**6:33**
